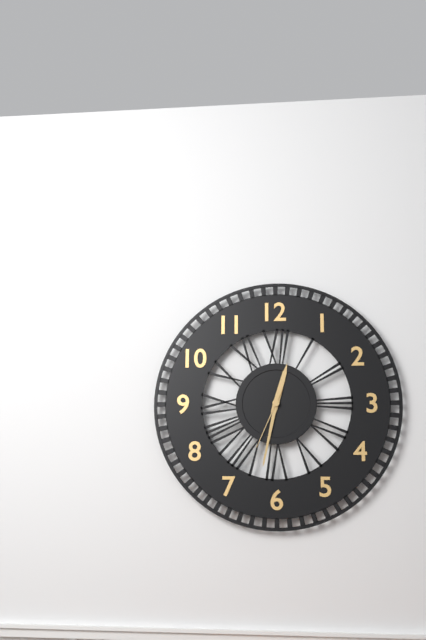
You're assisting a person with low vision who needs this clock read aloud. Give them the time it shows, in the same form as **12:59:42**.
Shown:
**12:32:34**
